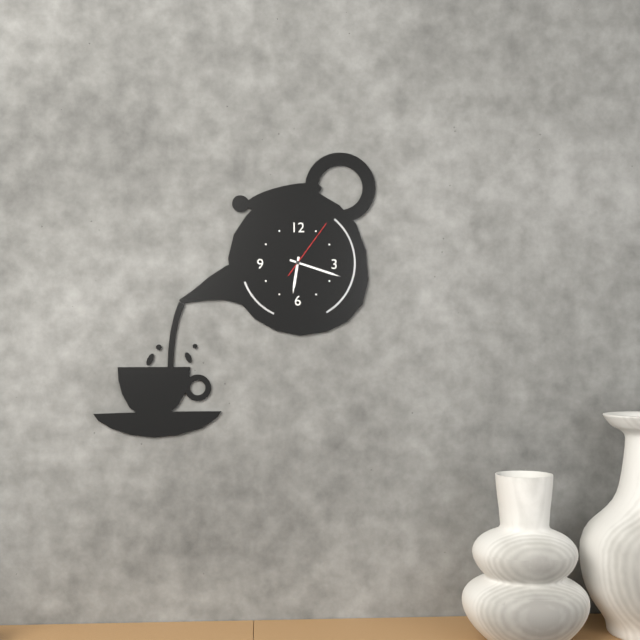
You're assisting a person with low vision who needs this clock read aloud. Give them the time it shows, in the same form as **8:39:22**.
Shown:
**6:18:06**
